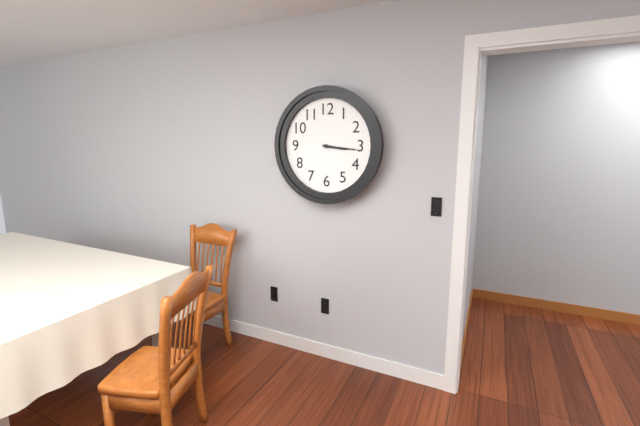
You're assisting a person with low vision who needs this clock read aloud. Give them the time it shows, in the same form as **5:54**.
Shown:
**3:16**
